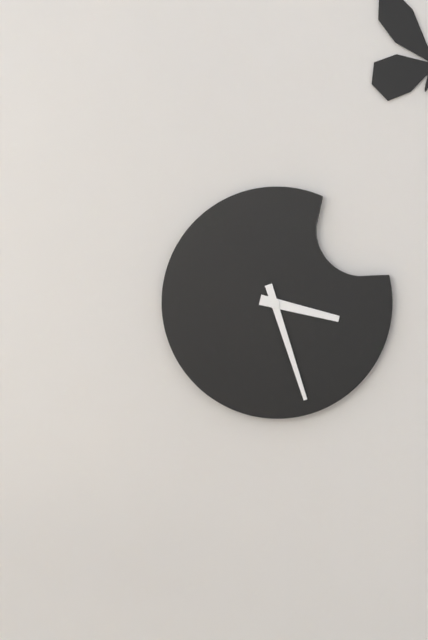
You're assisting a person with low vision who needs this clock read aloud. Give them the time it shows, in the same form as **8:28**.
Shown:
**3:27**
